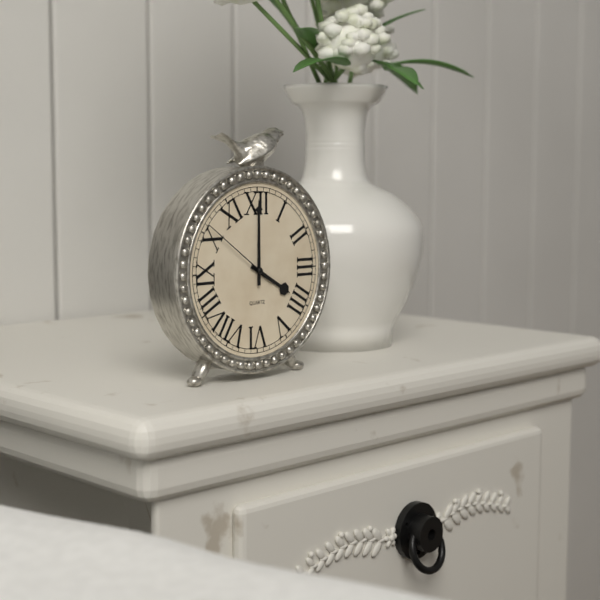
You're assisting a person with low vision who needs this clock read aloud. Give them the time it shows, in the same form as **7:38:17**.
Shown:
**4:00:51**
